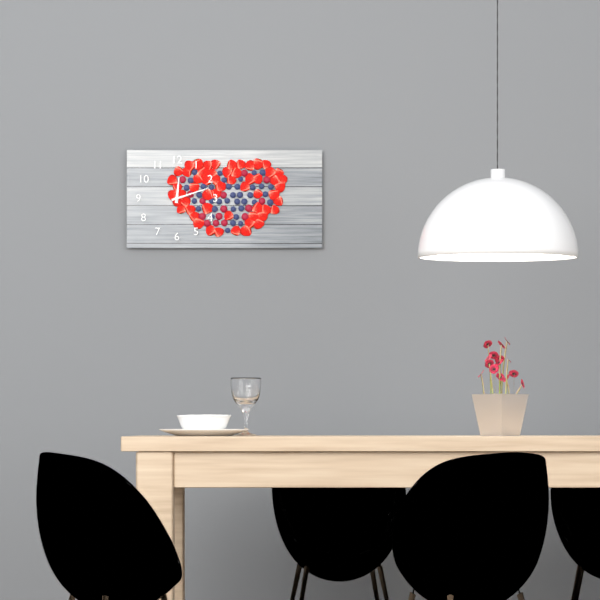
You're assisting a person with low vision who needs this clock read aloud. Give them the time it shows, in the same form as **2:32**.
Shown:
**12:12**
